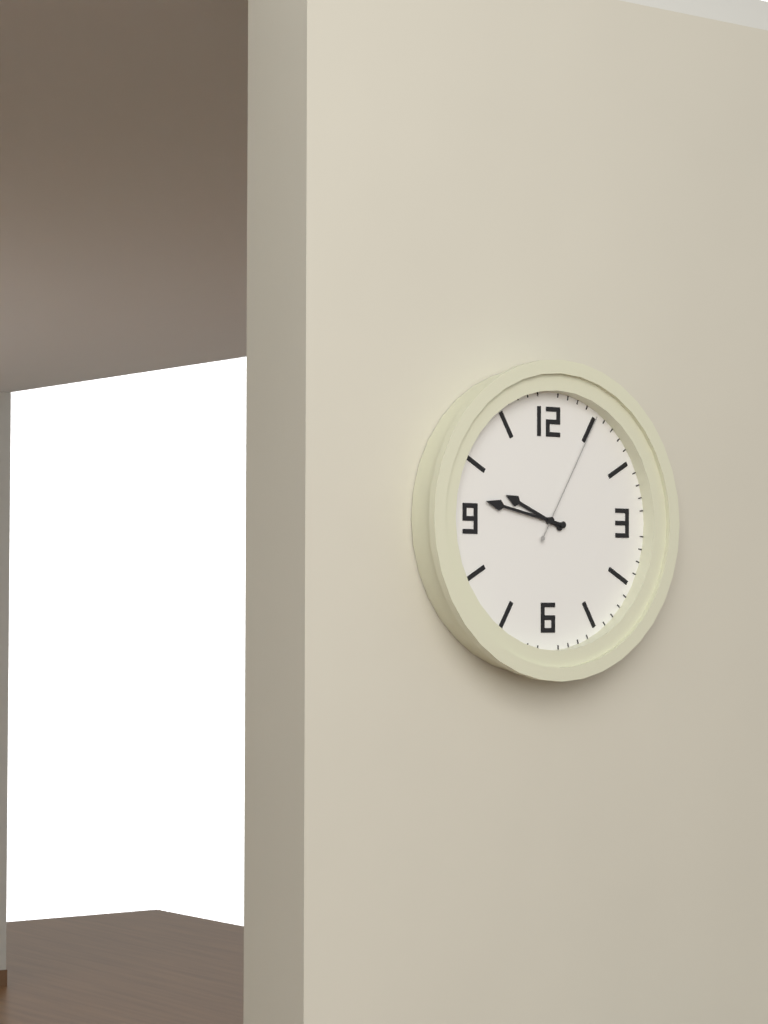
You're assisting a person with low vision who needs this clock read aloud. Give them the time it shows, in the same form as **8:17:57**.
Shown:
**9:47:05**
